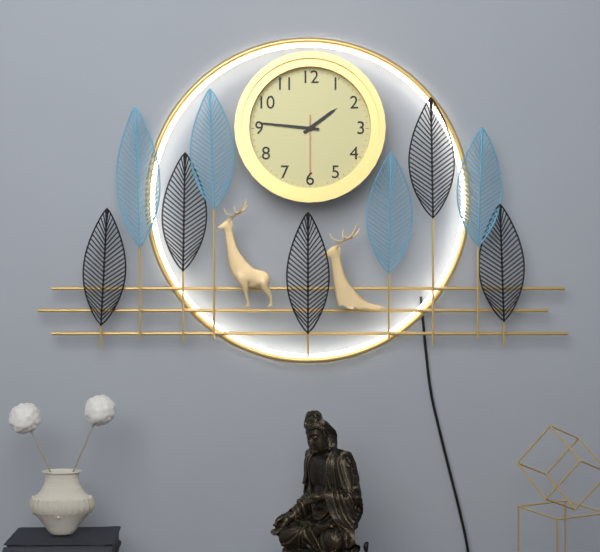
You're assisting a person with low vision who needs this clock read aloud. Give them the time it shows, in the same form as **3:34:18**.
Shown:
**1:46:30**
